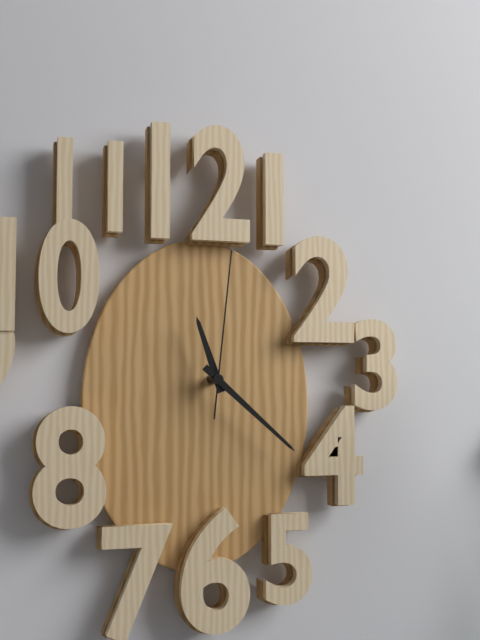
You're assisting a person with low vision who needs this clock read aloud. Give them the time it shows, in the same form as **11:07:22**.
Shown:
**11:22:01**
